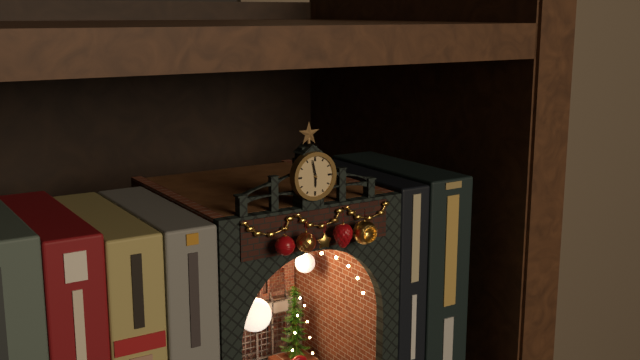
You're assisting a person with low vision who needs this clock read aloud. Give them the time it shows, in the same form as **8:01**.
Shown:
**5:58**
